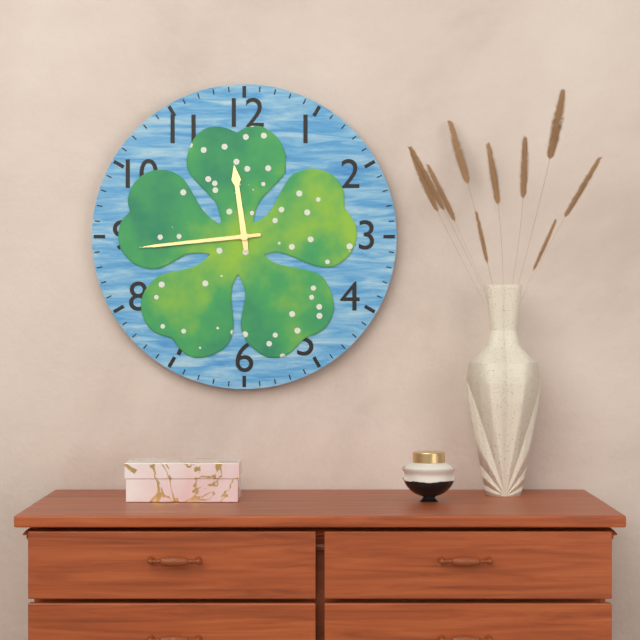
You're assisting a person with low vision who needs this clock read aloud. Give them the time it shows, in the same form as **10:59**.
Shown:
**11:44**
